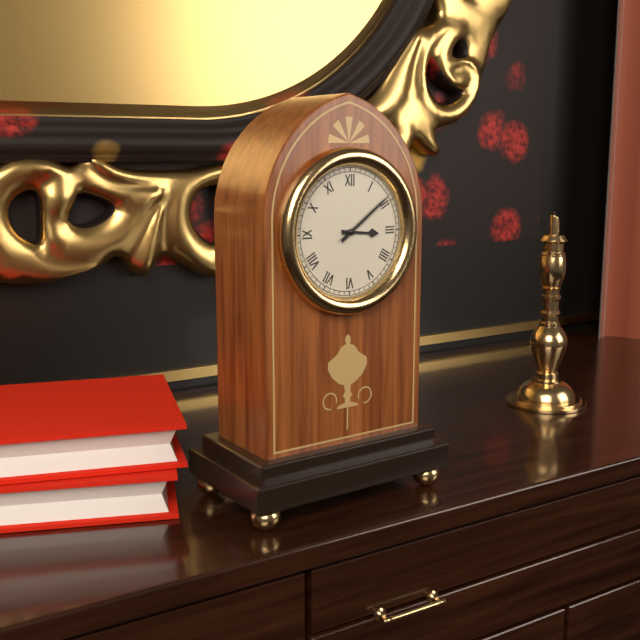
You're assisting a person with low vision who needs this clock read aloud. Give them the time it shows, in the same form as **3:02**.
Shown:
**3:09**
